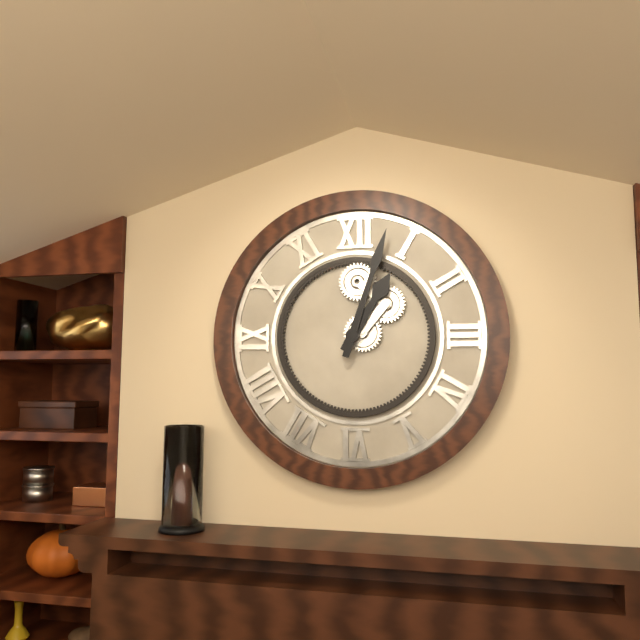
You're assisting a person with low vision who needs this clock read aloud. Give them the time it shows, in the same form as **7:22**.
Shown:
**1:03**
